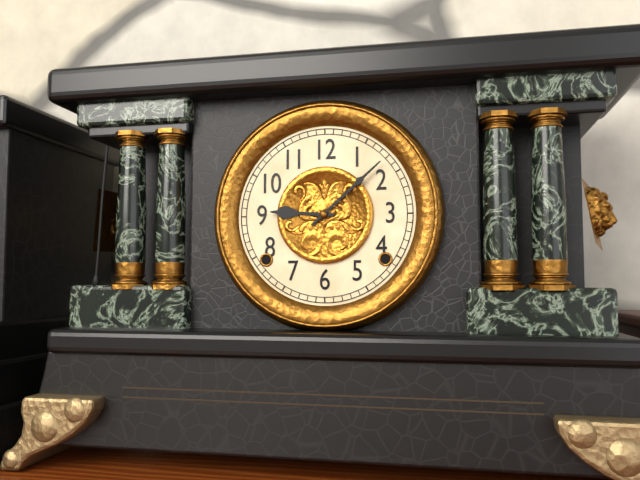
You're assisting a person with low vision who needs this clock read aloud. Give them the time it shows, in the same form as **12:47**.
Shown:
**9:08**
